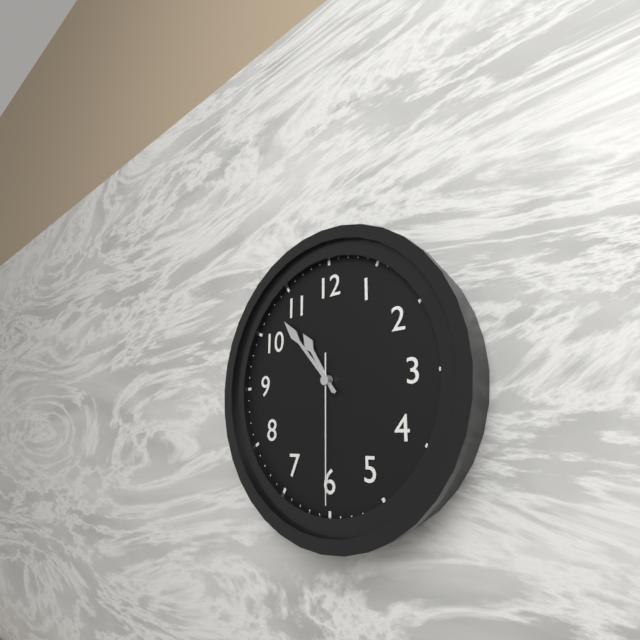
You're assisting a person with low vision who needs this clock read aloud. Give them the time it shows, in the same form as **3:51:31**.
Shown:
**10:53:30**
